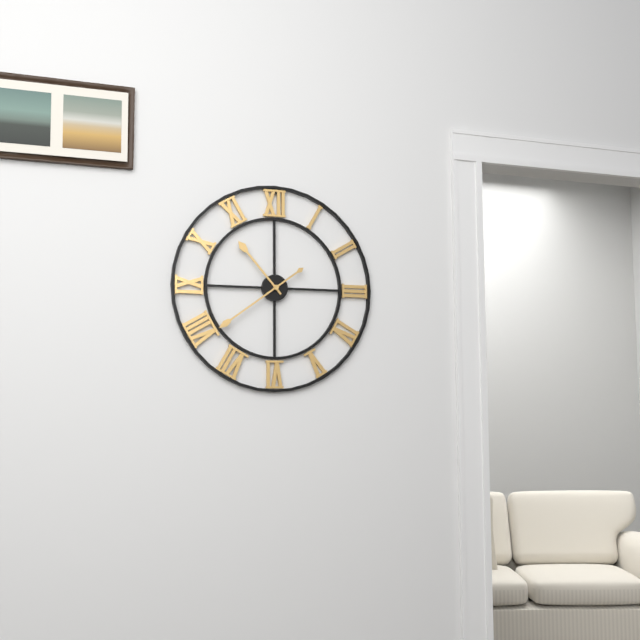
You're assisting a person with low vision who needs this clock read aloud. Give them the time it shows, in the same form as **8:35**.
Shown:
**10:39**
